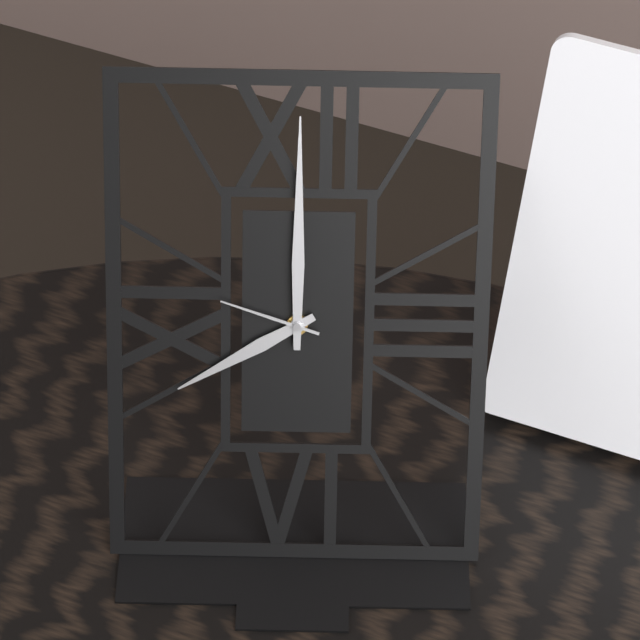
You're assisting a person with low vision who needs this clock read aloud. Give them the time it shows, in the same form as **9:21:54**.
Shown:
**8:00:48**
